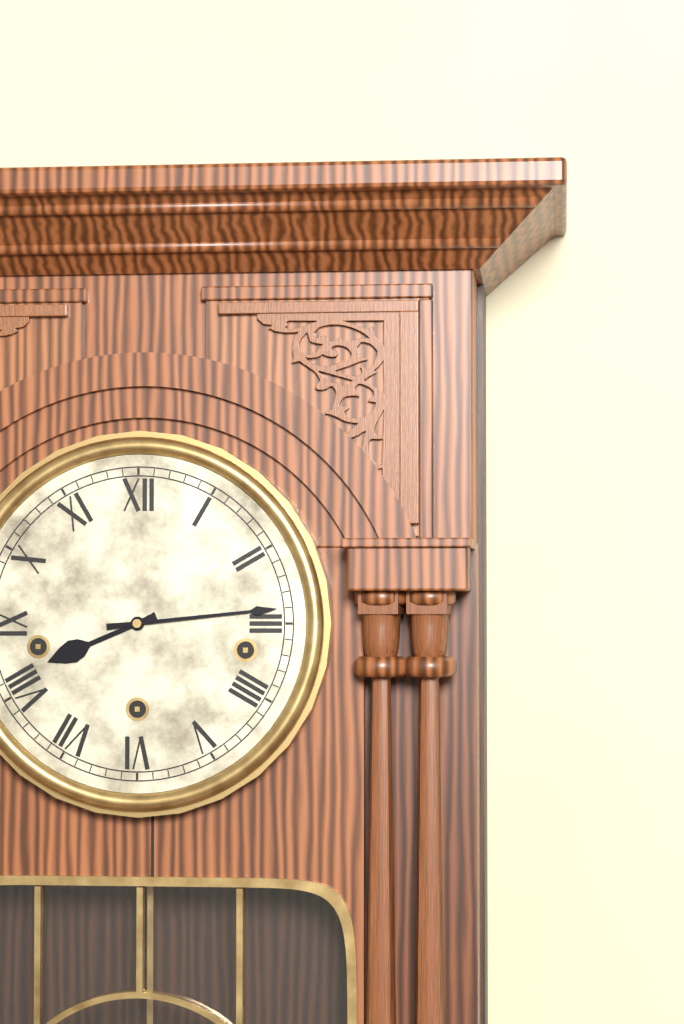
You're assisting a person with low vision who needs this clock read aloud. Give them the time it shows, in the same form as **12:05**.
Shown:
**8:14**
